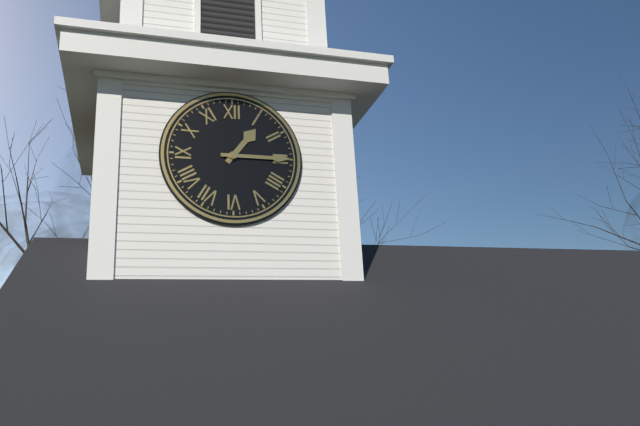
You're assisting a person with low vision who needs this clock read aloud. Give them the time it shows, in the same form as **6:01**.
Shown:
**1:15**
